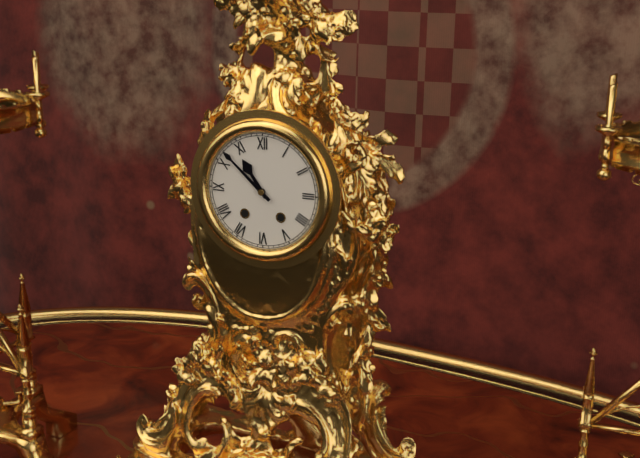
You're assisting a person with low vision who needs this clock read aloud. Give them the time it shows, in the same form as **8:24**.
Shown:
**10:52**
